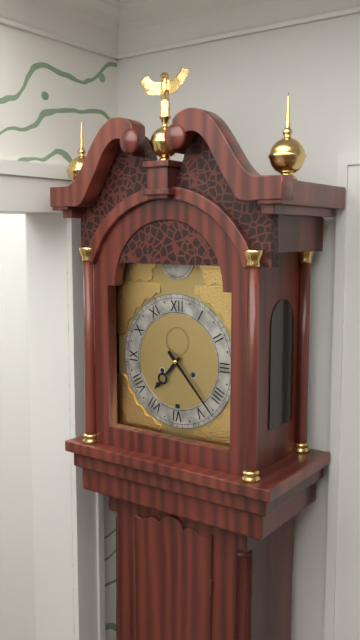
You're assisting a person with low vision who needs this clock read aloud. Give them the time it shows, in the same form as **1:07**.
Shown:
**7:23**
